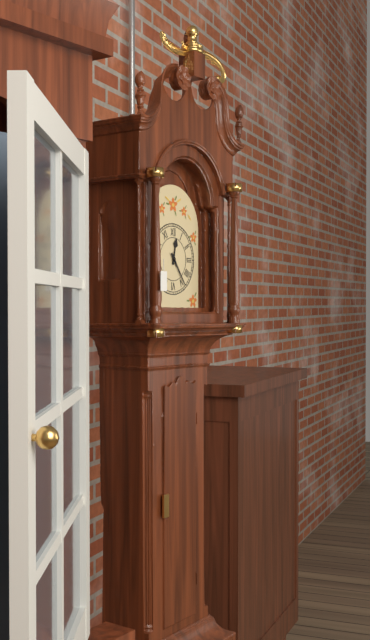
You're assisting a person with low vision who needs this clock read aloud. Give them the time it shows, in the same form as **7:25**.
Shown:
**12:24**
